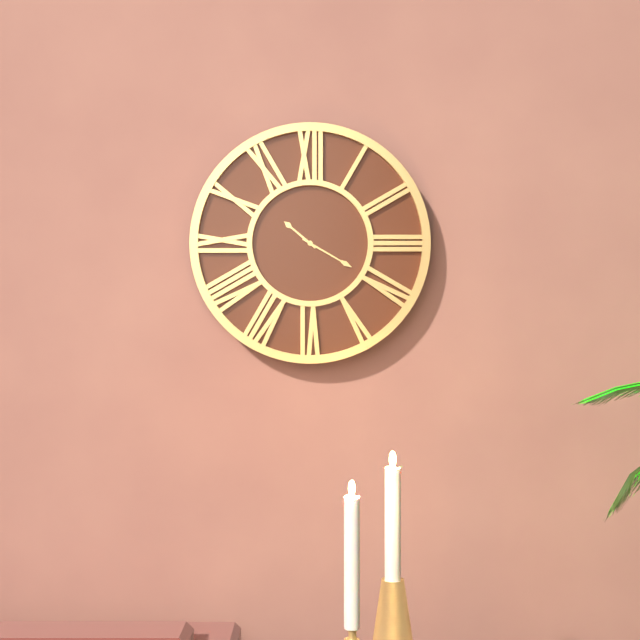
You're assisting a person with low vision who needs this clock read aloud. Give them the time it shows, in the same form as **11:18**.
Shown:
**10:20**
